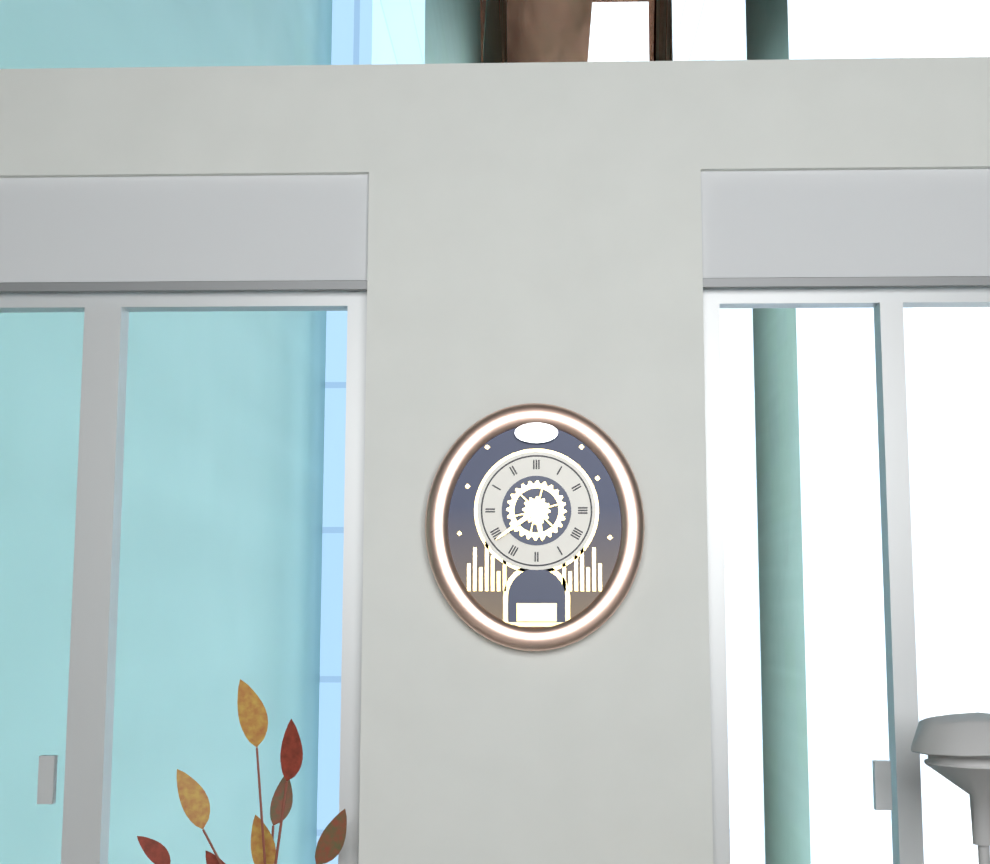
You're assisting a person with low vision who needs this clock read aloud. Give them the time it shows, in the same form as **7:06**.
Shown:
**5:39**
